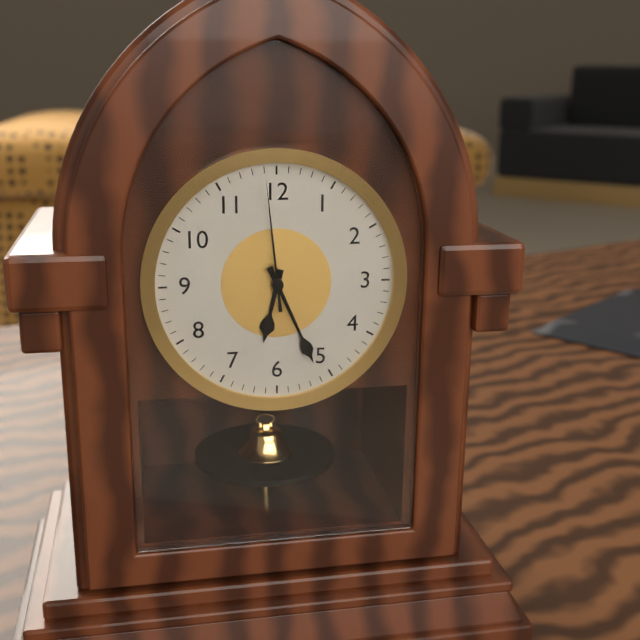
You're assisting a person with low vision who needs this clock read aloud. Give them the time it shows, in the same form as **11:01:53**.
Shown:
**6:26:59**
